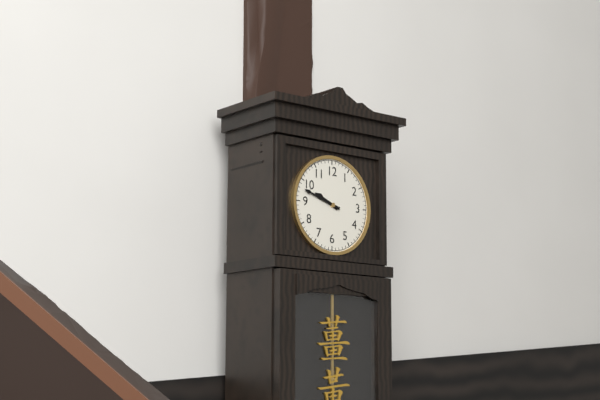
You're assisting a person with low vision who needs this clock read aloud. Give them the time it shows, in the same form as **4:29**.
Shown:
**9:48**
